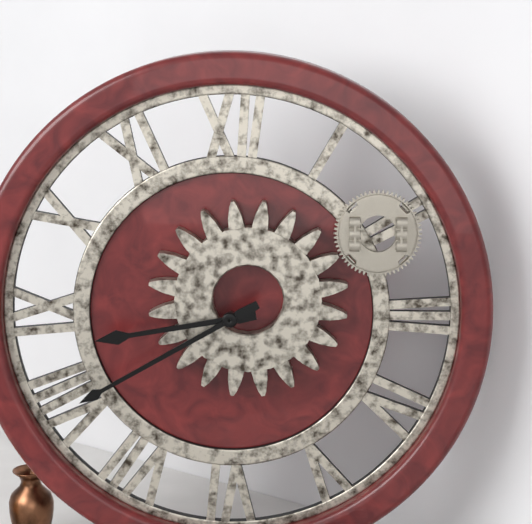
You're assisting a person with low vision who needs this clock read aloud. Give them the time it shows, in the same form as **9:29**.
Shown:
**8:40**
